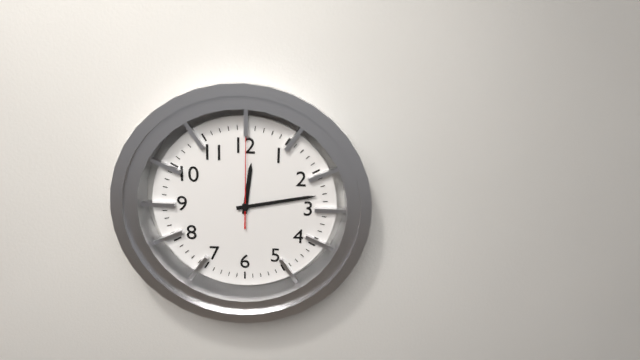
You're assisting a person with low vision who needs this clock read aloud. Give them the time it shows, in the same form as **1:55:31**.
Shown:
**12:13:00**
